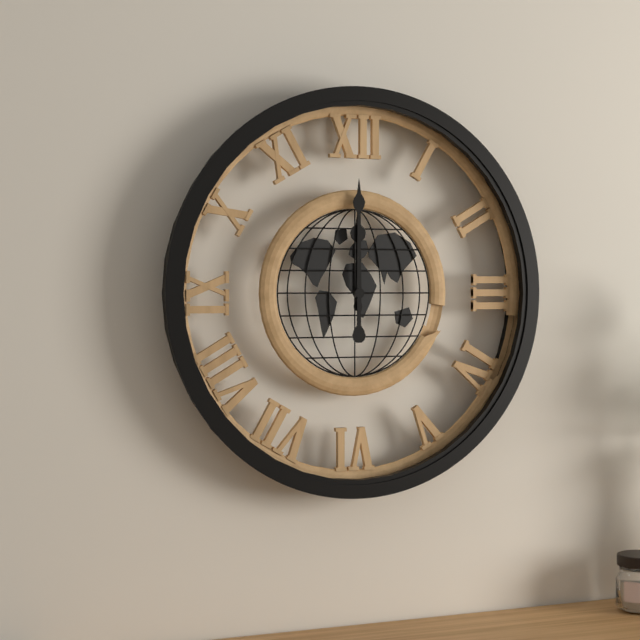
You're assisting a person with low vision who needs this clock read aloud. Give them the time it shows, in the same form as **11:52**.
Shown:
**12:00**
